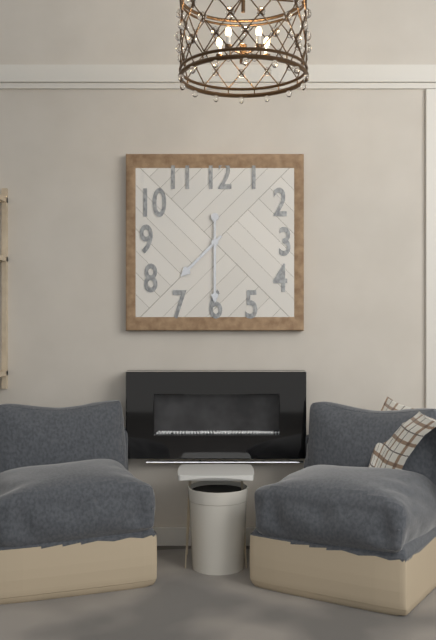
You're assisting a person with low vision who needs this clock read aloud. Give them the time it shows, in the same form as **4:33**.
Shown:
**7:30**
